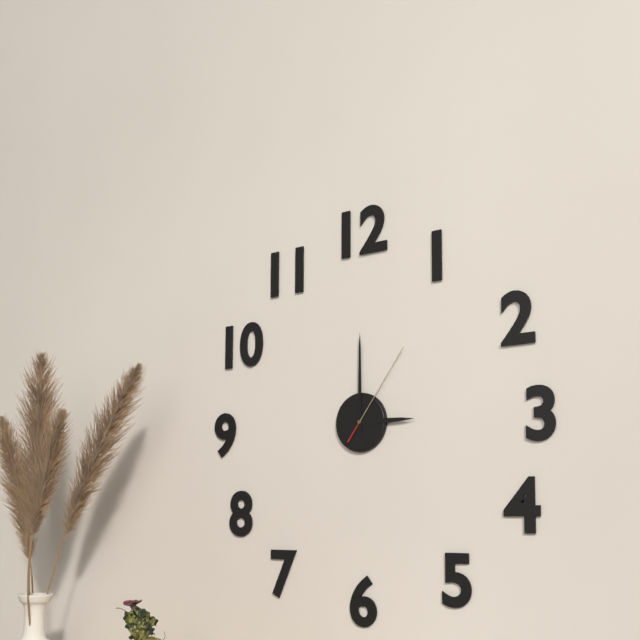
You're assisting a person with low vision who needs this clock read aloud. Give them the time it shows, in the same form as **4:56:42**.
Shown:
**3:00:06**
